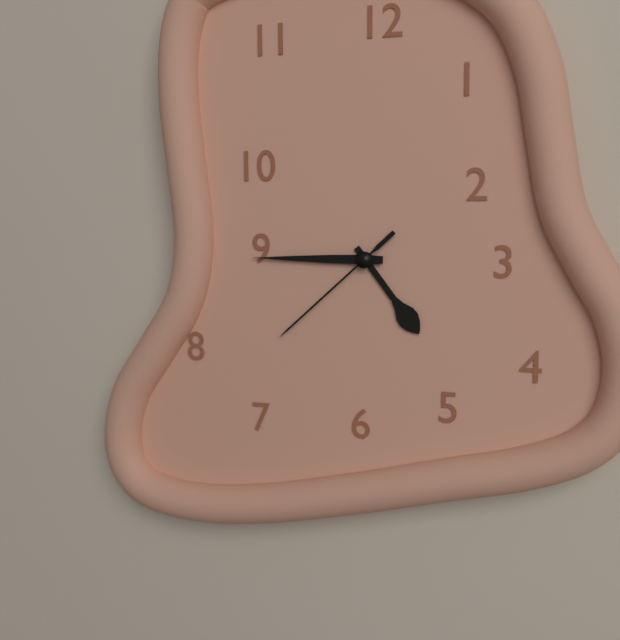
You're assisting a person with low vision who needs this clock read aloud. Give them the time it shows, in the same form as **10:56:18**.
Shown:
**4:45:38**
